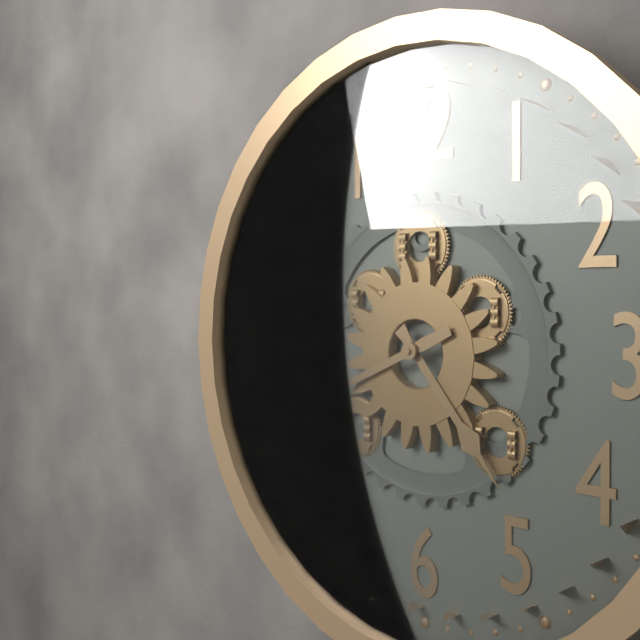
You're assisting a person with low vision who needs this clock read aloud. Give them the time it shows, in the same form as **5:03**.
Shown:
**4:41**
